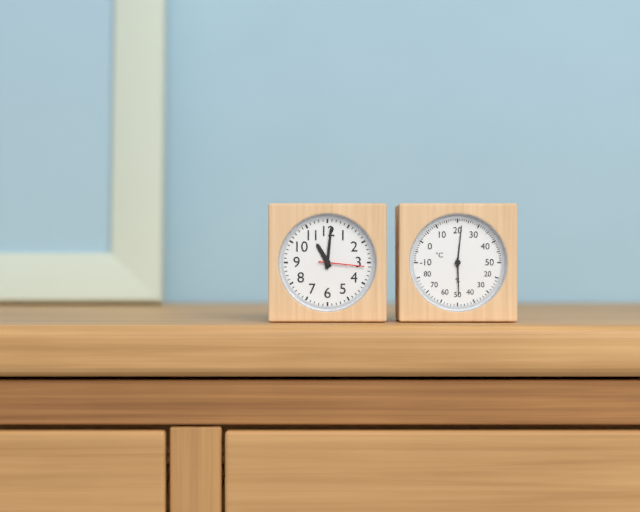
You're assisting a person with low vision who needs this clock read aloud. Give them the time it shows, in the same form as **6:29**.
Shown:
**11:01**
